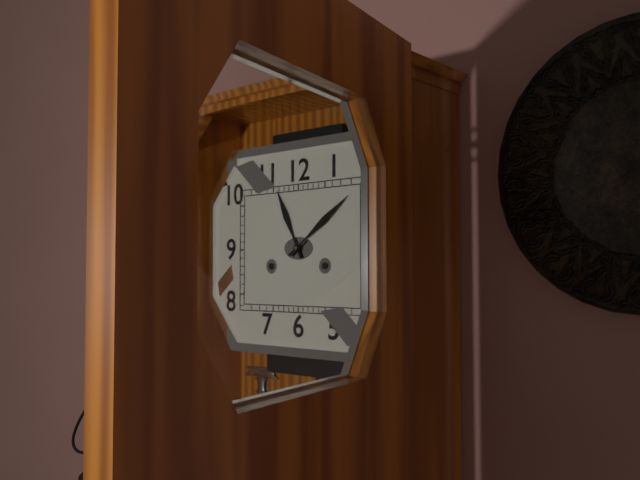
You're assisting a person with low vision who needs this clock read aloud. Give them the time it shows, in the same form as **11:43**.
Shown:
**11:09**
